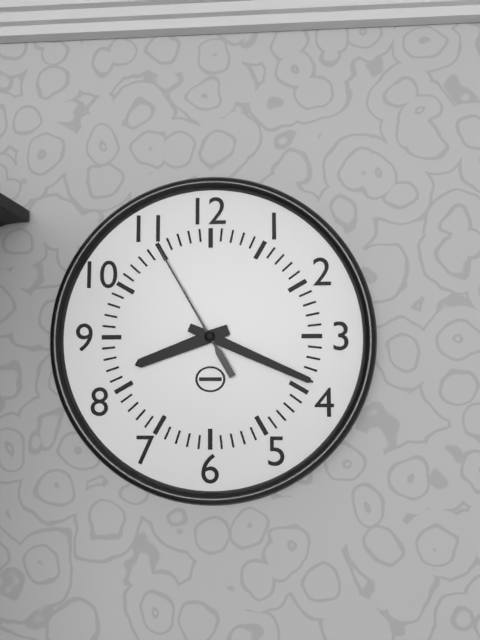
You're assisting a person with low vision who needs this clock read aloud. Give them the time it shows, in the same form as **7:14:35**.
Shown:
**8:19:55**
